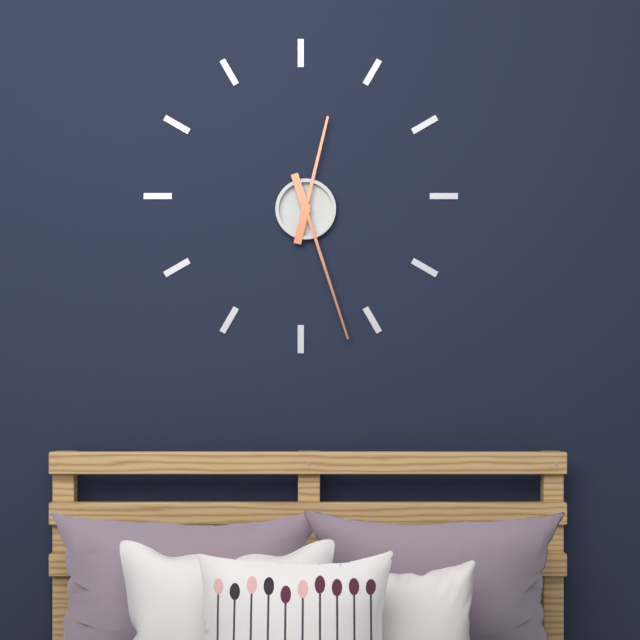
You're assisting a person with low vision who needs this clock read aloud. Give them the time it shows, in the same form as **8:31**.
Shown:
**12:27**
